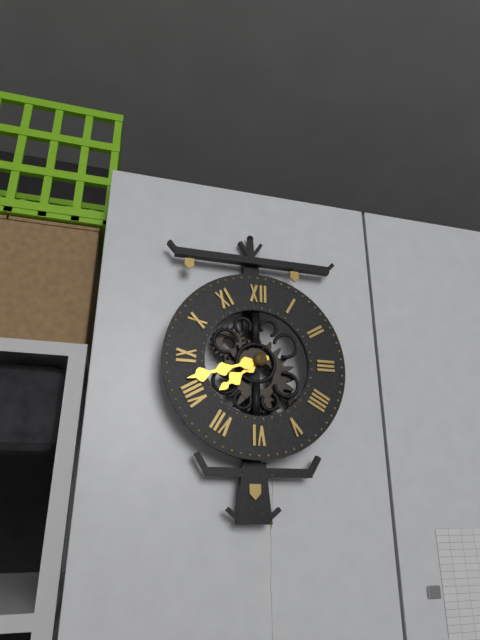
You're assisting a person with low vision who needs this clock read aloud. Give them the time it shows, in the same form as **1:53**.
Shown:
**7:42**
